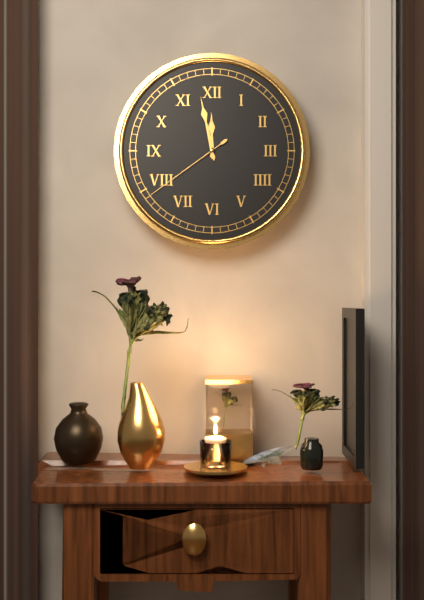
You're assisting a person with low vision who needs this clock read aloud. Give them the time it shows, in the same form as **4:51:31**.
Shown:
**11:58:39**
